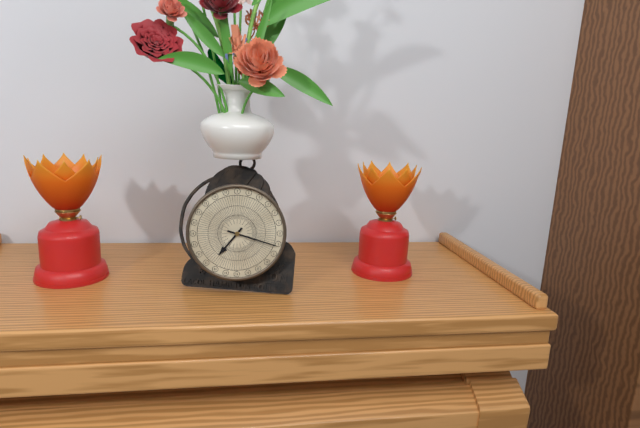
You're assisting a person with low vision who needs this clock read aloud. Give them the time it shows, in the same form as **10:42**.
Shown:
**7:18**
